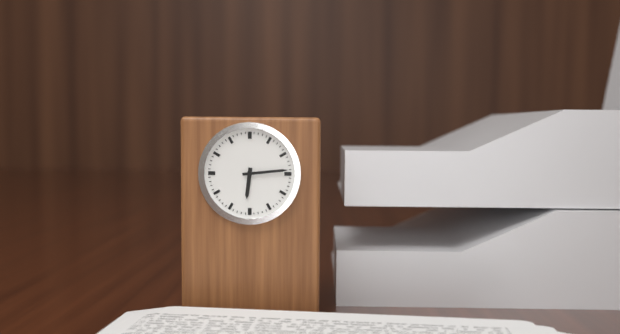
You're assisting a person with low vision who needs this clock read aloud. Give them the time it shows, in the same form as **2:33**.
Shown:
**6:14**
